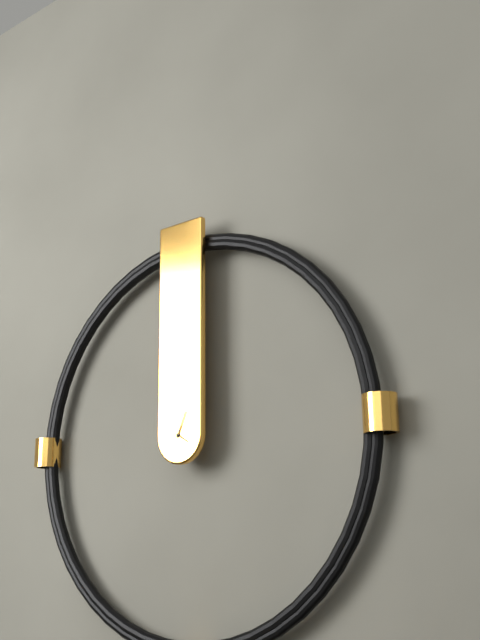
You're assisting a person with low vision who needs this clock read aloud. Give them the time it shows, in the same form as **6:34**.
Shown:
**4:04**
